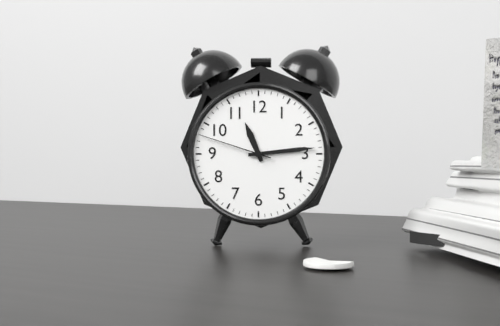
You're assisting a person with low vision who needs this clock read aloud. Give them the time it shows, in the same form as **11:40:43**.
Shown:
**11:14:48**
